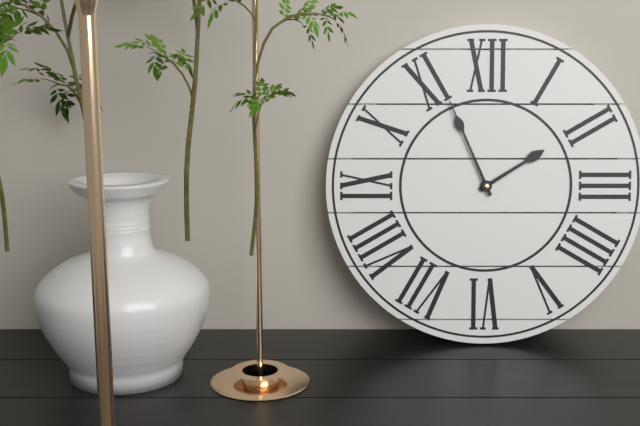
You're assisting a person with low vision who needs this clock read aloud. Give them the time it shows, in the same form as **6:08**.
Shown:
**1:56**
